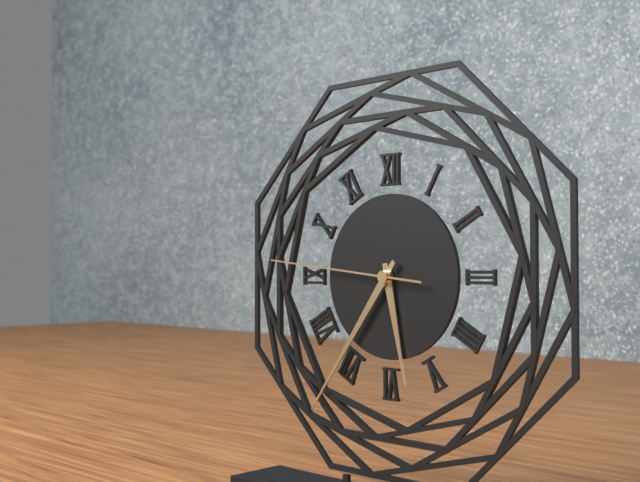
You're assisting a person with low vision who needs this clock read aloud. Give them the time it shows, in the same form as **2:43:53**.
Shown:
**5:36:46**
